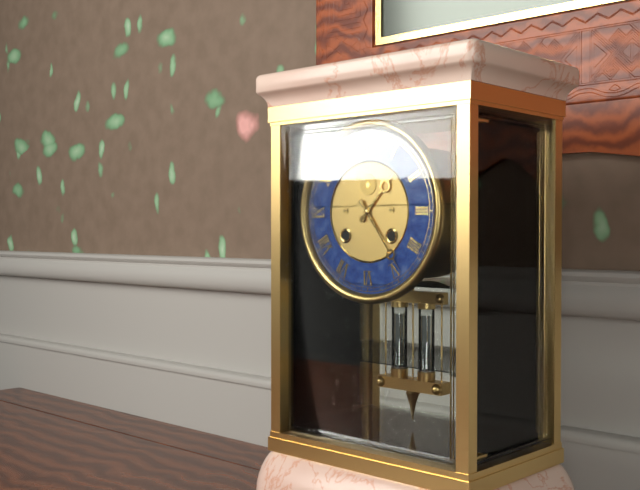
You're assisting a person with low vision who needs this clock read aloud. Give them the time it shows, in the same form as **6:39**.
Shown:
**1:24**
